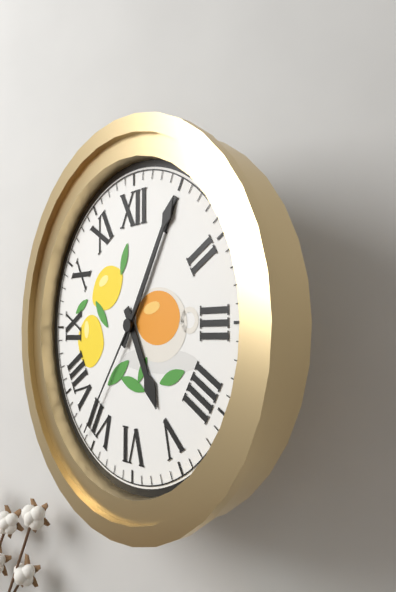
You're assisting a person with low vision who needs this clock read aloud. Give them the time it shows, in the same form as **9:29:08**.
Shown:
**5:05:36**
